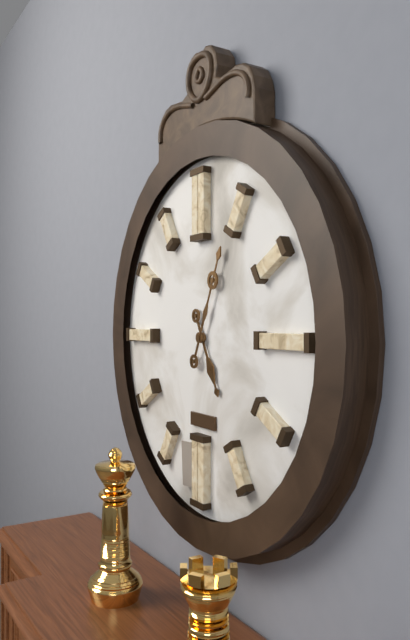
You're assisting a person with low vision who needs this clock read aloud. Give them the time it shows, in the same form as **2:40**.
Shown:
**5:04**
